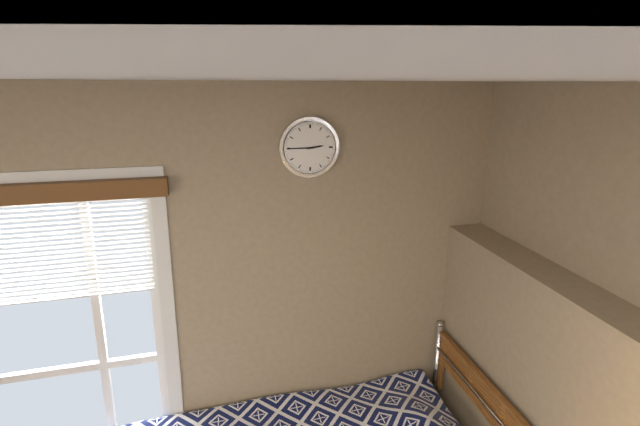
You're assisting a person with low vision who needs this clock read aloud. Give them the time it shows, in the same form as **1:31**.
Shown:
**2:45**
